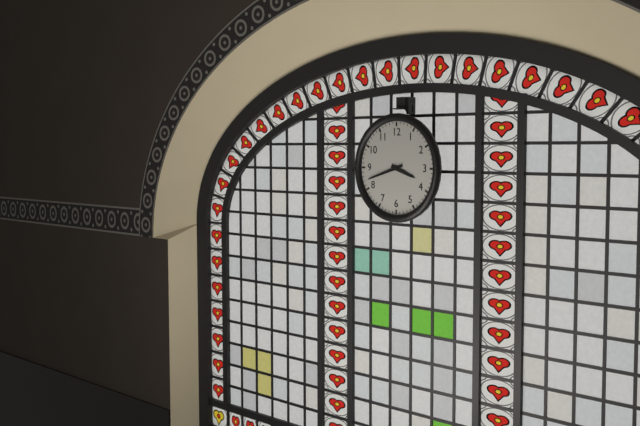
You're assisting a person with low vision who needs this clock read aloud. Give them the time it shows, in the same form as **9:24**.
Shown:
**3:42**
